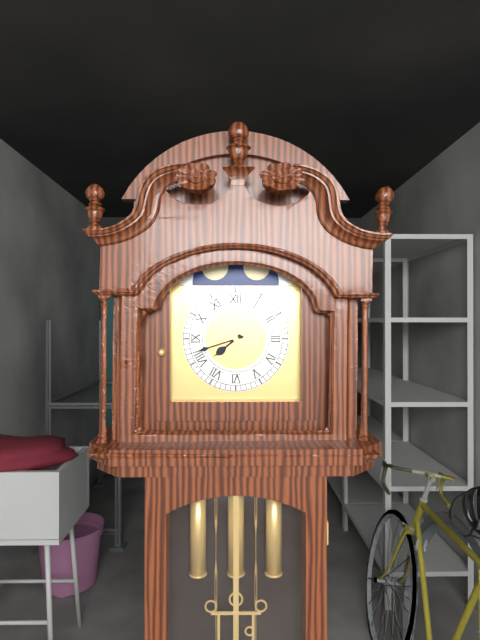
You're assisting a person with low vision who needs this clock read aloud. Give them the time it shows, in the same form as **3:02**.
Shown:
**7:42**
